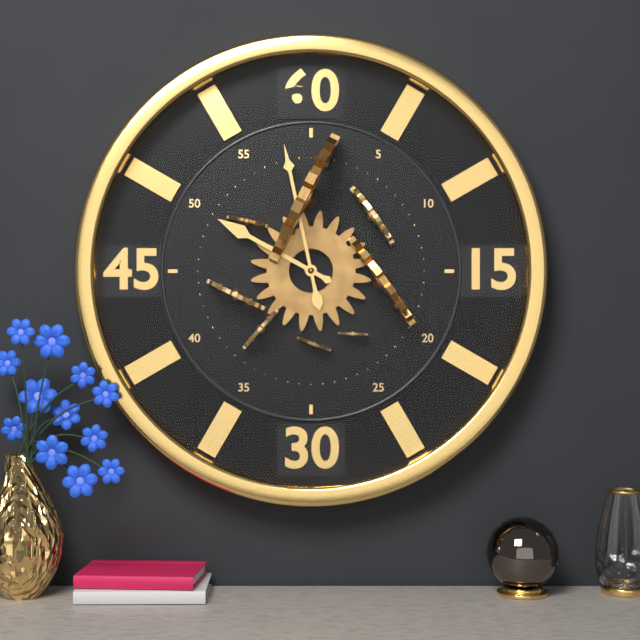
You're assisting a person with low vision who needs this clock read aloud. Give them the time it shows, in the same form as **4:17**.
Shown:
**9:58**
